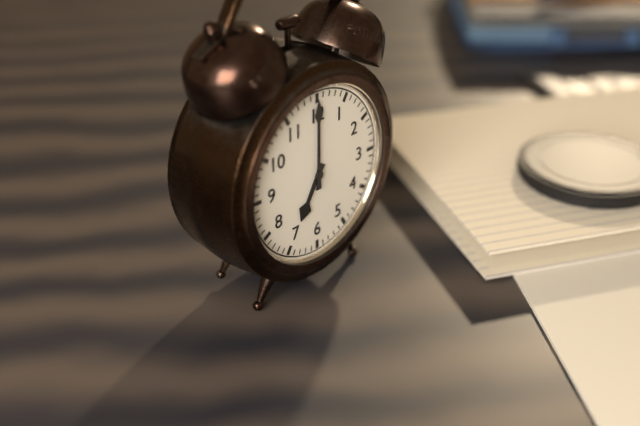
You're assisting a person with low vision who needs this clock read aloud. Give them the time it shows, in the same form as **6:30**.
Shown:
**7:00**
